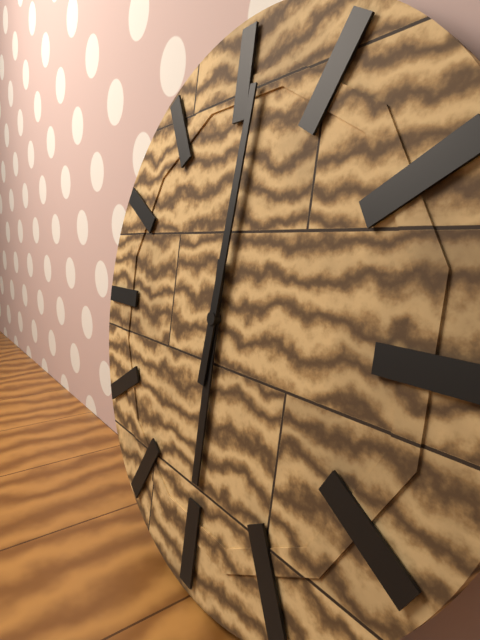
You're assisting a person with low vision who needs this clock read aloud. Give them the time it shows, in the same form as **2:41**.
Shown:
**6:01**
